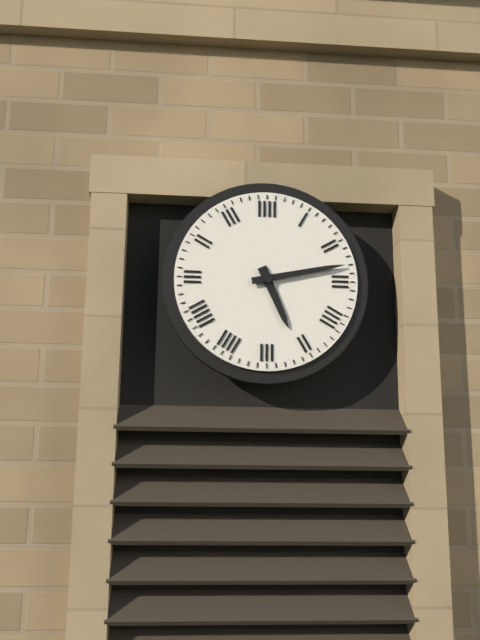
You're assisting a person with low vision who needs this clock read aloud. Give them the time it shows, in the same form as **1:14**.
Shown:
**5:13**
